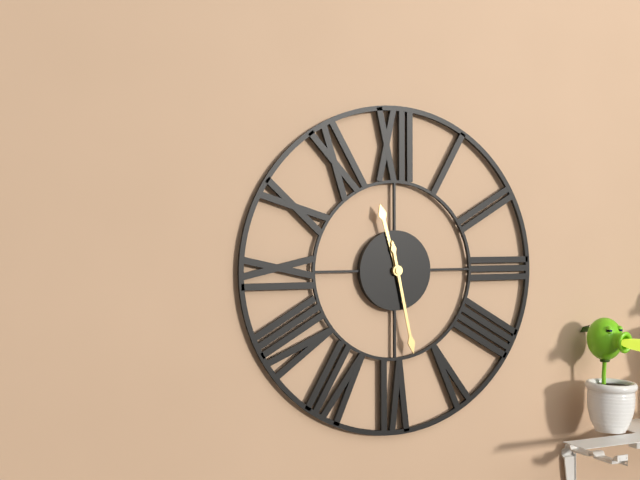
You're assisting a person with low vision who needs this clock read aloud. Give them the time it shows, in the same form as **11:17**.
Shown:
**11:28**
